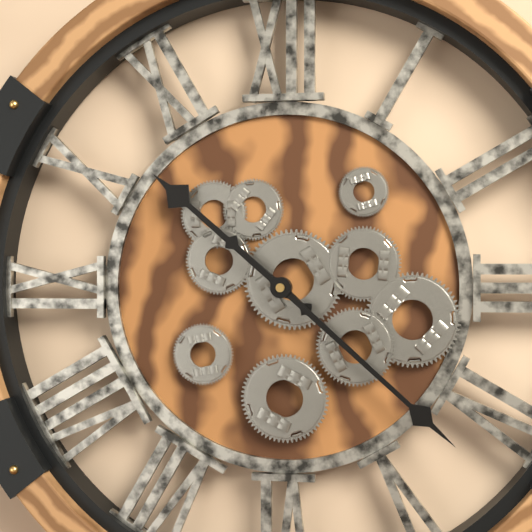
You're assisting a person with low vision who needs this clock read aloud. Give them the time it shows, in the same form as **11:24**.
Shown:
**10:22**
